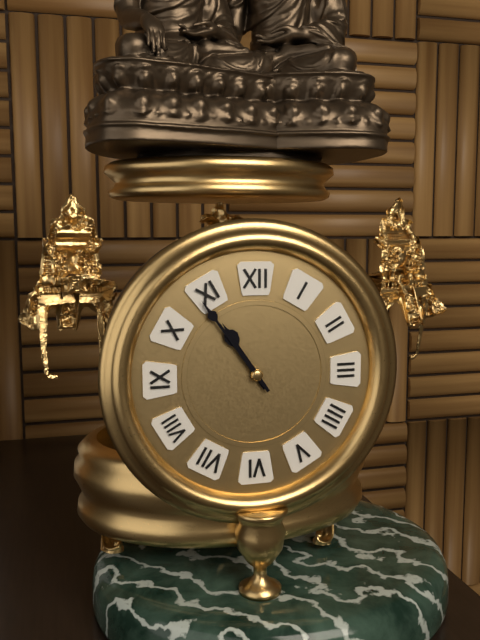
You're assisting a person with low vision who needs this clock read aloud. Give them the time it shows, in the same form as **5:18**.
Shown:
**10:54**
